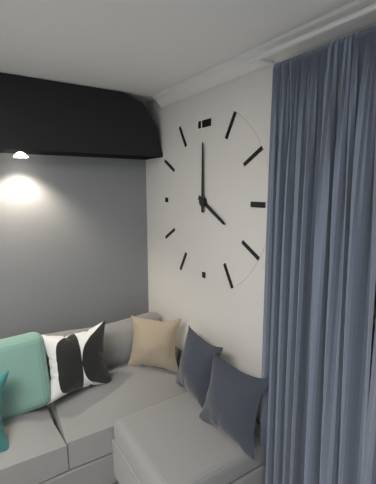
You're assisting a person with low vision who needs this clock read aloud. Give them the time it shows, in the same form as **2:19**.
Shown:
**4:00**
